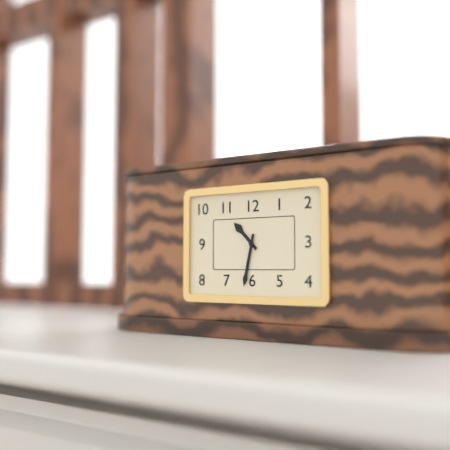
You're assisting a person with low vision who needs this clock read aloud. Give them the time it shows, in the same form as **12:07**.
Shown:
**10:32**
